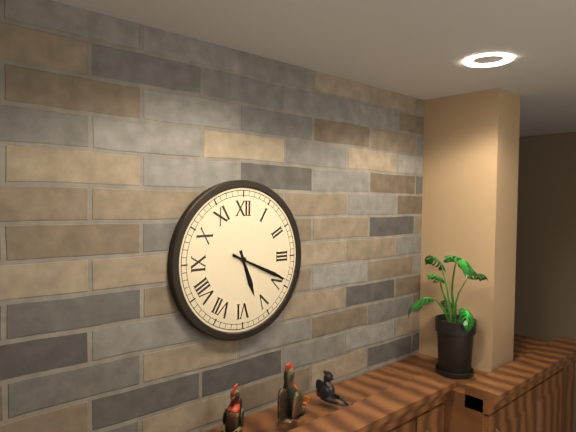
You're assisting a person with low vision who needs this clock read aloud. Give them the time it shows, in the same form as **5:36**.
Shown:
**5:19**
